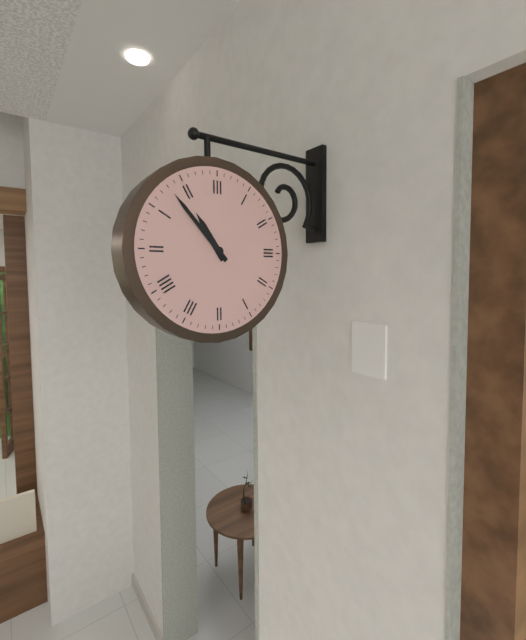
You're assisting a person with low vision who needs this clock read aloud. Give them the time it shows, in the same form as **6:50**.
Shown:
**10:53**
